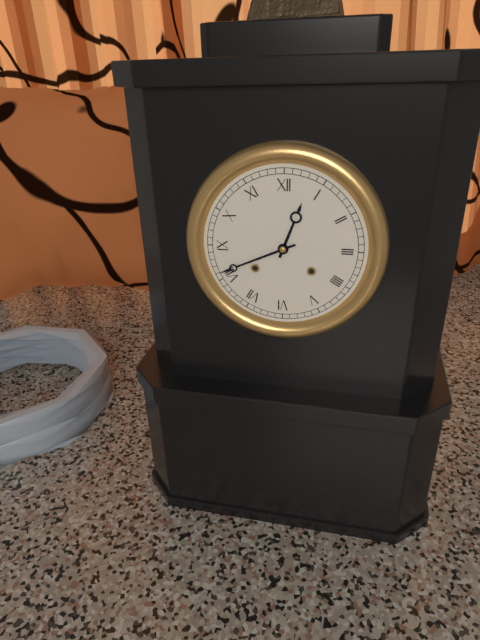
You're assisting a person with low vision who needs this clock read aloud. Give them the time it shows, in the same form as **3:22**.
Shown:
**12:41**
